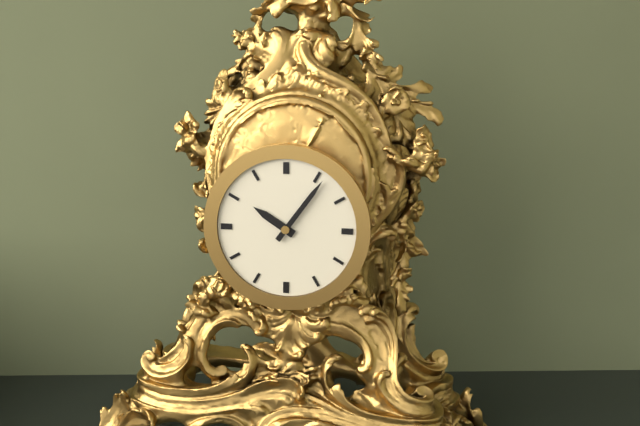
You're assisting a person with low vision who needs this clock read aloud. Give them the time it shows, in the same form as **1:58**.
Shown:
**10:06**
